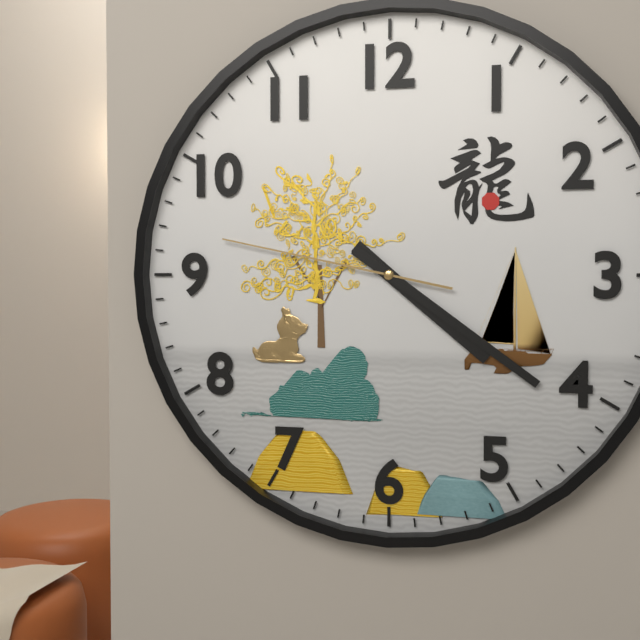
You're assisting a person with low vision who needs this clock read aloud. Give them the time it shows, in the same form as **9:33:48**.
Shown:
**4:21:47**
